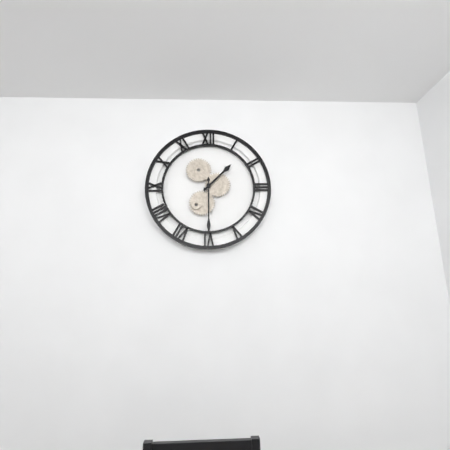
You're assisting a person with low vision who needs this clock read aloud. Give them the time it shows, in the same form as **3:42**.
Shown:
**1:30**
